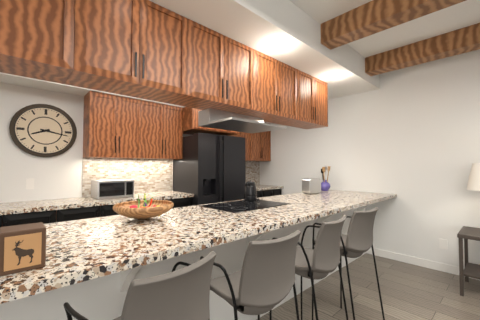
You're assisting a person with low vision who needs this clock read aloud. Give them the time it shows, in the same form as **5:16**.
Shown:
**8:17**
